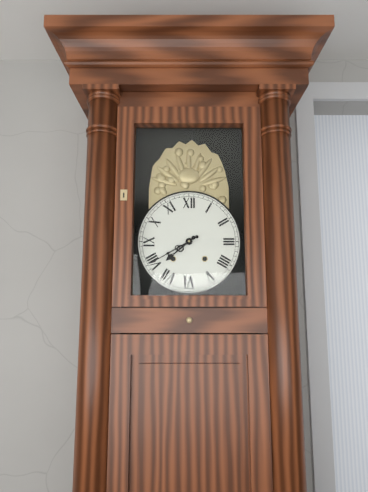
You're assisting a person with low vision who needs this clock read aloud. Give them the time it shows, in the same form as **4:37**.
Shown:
**7:40**
